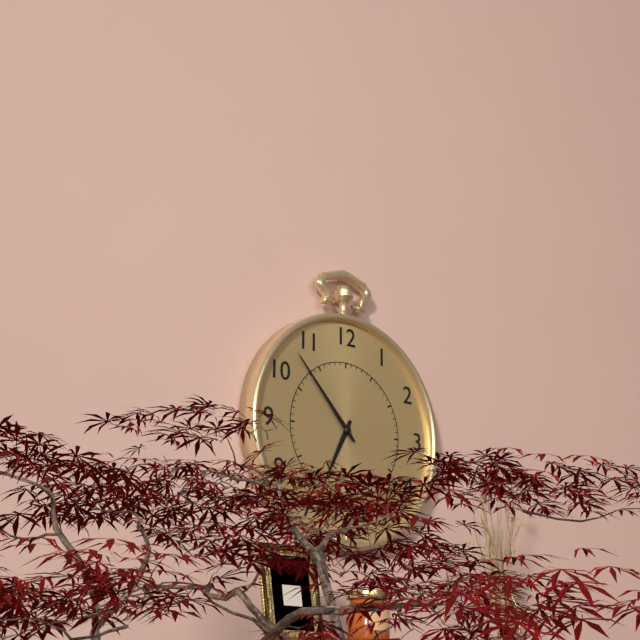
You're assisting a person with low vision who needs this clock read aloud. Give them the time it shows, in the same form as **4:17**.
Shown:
**6:53**
